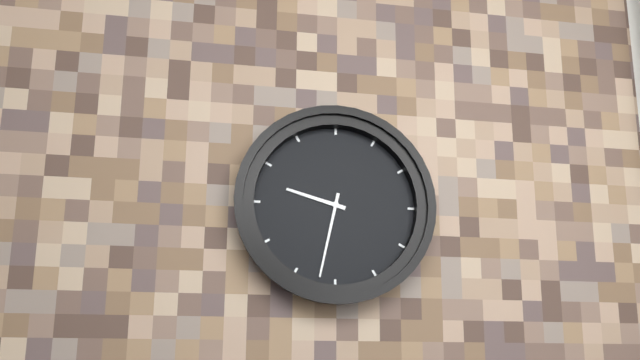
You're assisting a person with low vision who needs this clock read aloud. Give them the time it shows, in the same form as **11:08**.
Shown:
**9:32**
